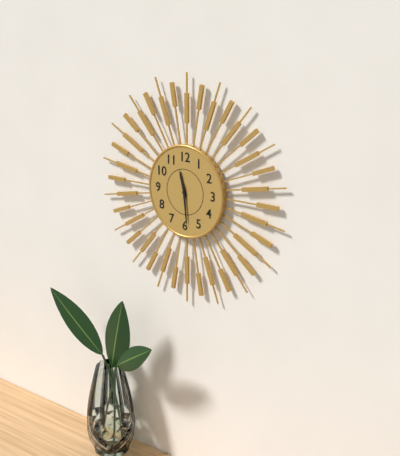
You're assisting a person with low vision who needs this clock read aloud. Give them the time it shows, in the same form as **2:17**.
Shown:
**11:29**
